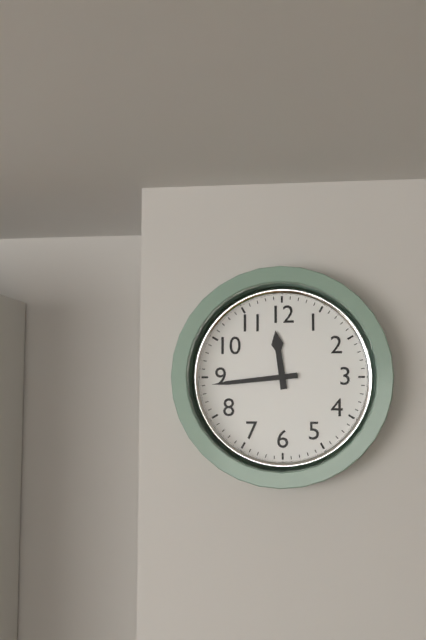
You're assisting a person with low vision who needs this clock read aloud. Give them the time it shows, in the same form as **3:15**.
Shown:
**11:44**
